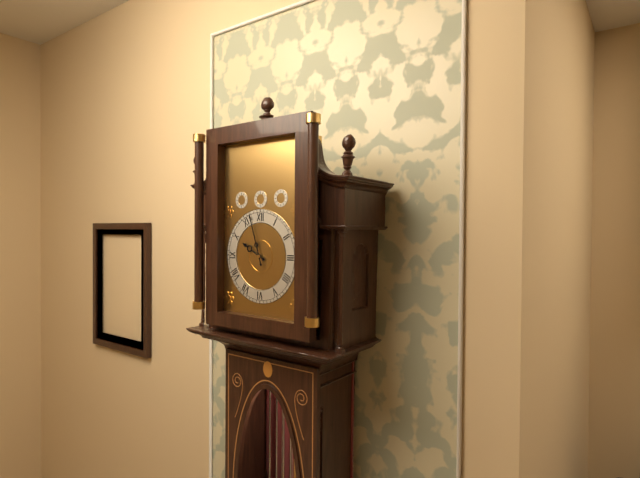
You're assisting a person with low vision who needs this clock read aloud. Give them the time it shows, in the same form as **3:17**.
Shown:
**9:57**
